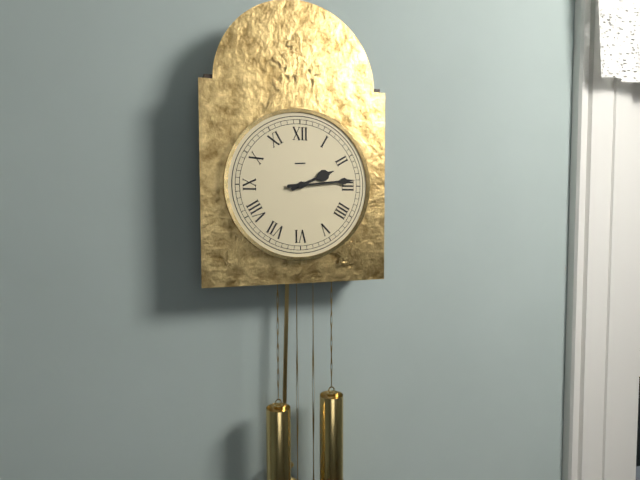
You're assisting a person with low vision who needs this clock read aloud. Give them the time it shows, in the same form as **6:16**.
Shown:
**2:14**
